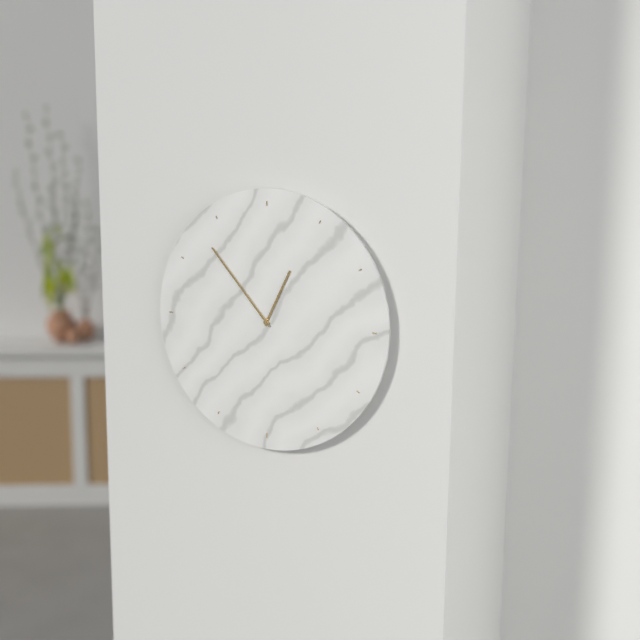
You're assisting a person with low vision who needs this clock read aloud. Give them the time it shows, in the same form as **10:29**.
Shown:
**12:53**
